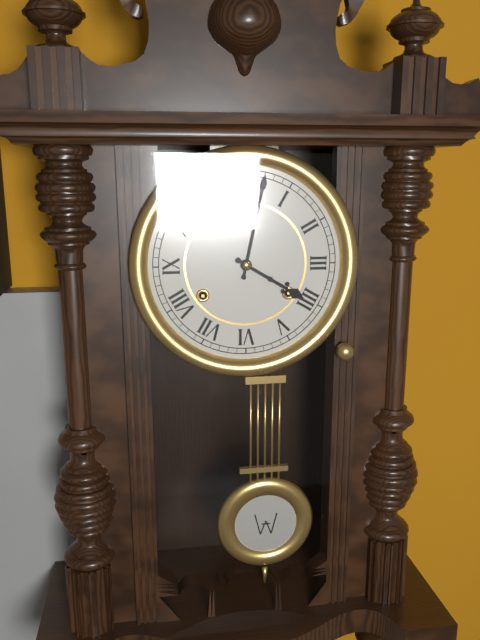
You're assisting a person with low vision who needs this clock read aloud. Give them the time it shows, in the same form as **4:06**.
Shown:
**4:02**
